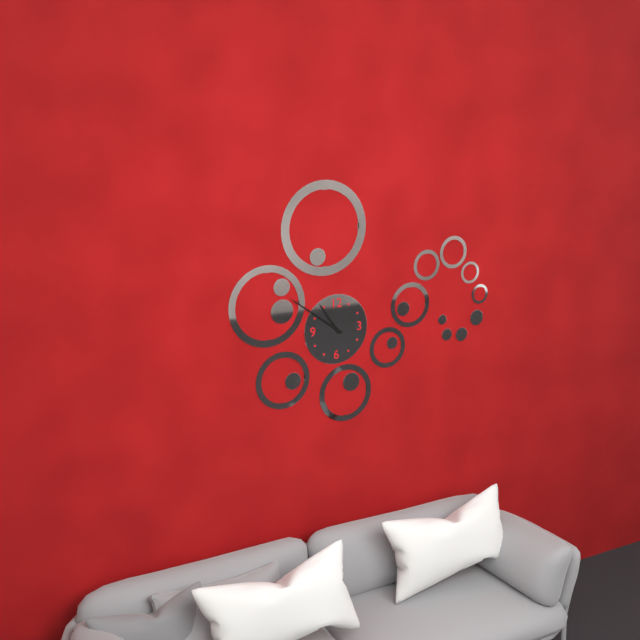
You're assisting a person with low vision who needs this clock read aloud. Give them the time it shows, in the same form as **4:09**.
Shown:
**10:51**
